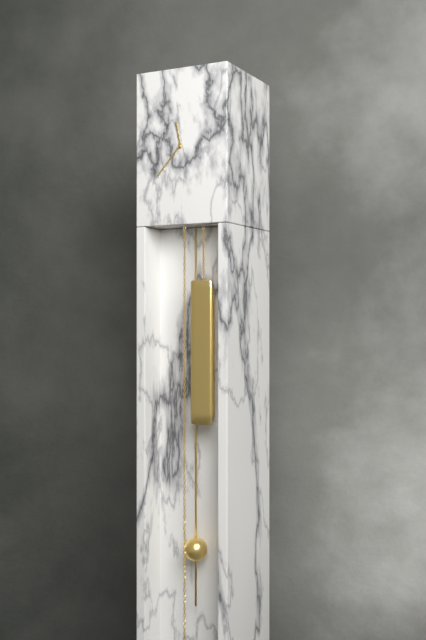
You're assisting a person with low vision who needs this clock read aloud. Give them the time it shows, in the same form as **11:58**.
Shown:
**11:37**
